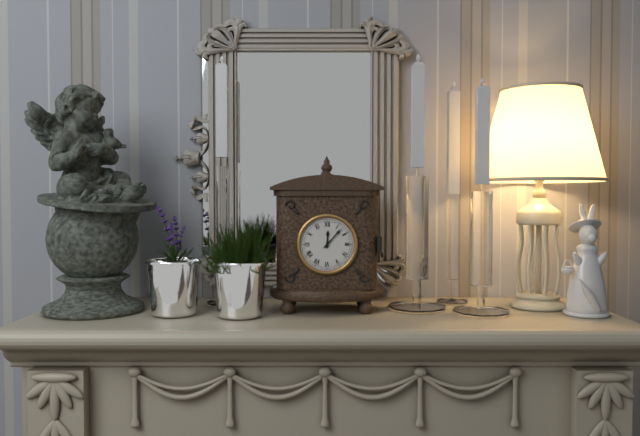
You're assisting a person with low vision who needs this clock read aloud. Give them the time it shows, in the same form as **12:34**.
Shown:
**12:07**
